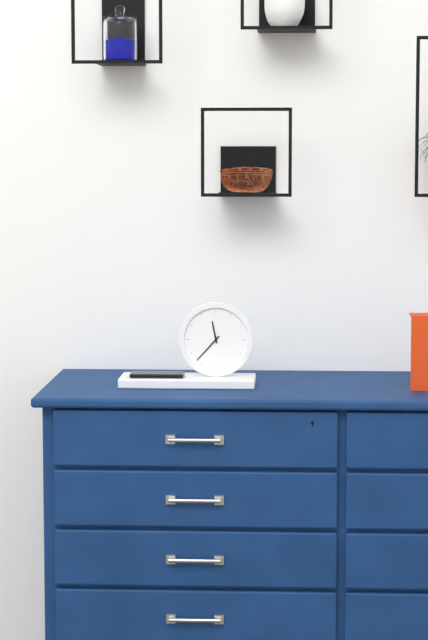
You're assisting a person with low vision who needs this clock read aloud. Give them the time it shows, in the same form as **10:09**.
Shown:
**11:37**
